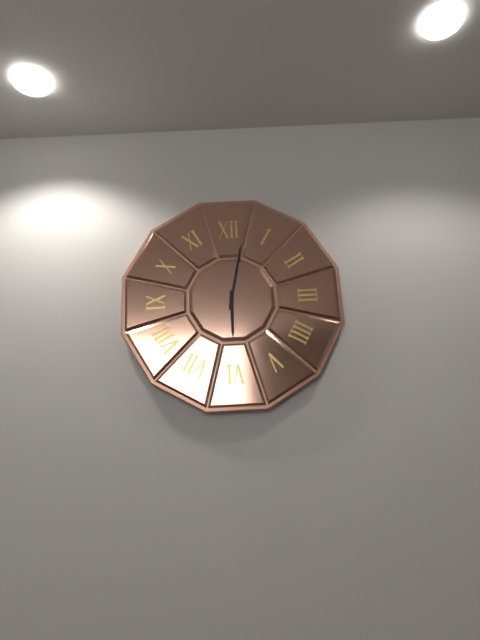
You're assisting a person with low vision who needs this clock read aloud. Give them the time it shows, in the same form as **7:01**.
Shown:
**6:02**
